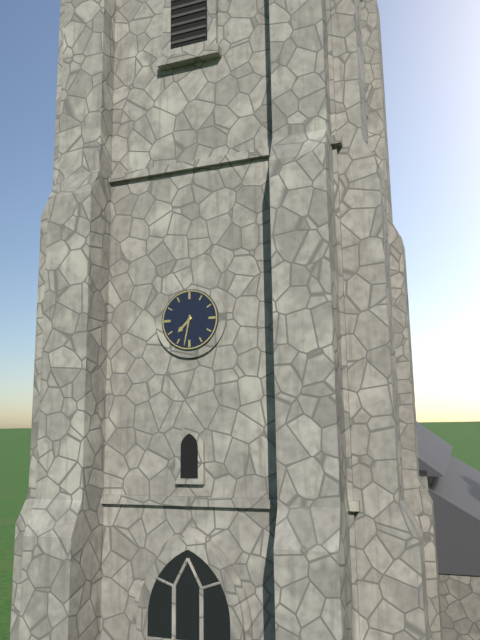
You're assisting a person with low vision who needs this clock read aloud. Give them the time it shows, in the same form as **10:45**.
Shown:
**7:32**
